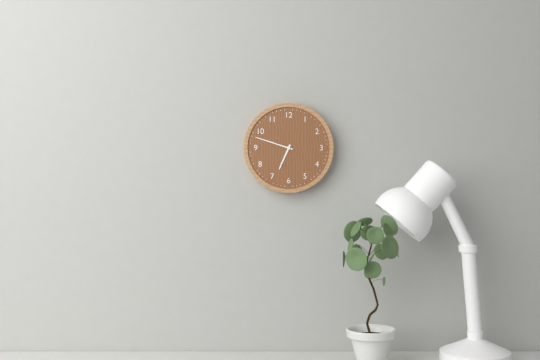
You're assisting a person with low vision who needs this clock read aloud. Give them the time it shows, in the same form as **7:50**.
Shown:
**6:48**
